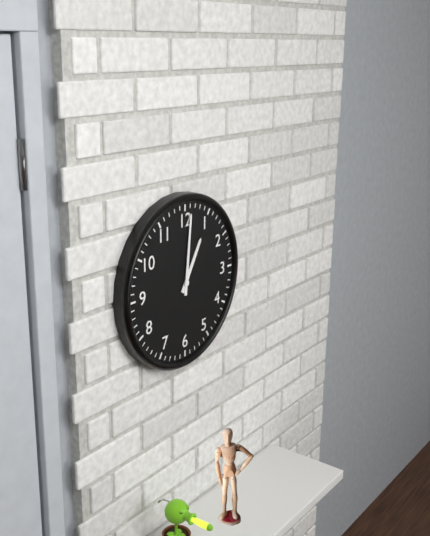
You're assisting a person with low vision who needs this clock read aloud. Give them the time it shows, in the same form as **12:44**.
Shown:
**1:01**
